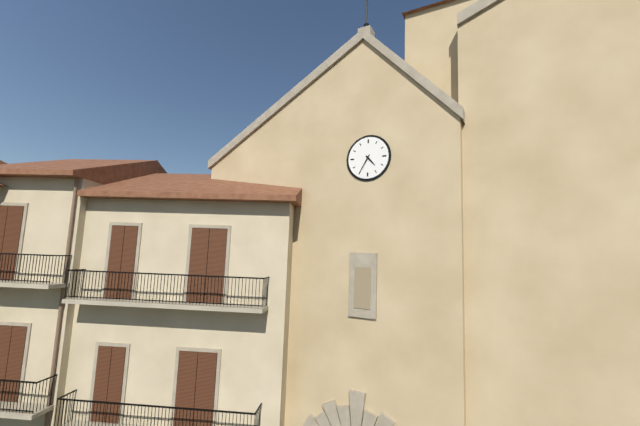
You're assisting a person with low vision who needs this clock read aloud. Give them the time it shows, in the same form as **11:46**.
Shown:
**4:35**
